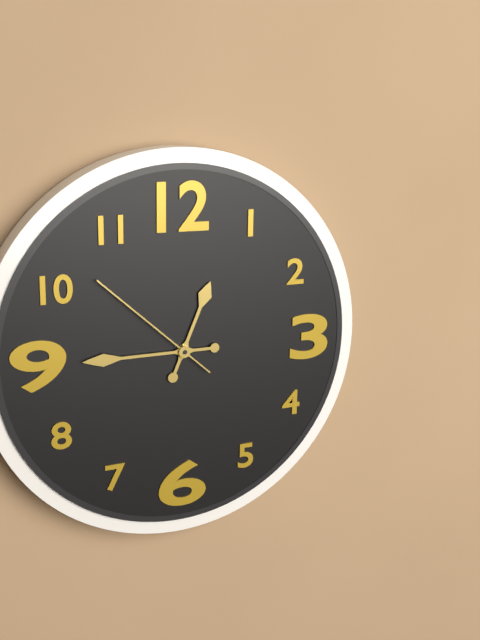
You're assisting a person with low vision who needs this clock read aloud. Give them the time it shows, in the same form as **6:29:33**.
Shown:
**12:45:52**
